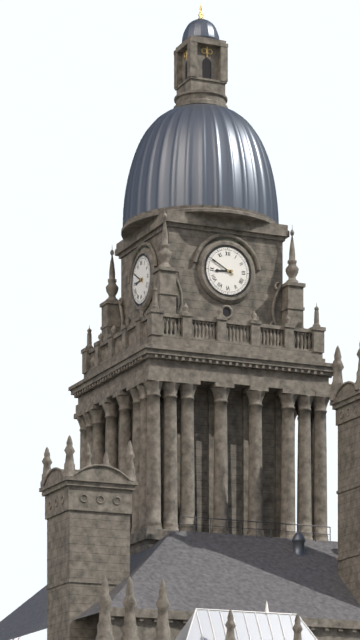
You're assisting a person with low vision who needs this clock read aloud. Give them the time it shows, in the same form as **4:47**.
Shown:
**8:50**
